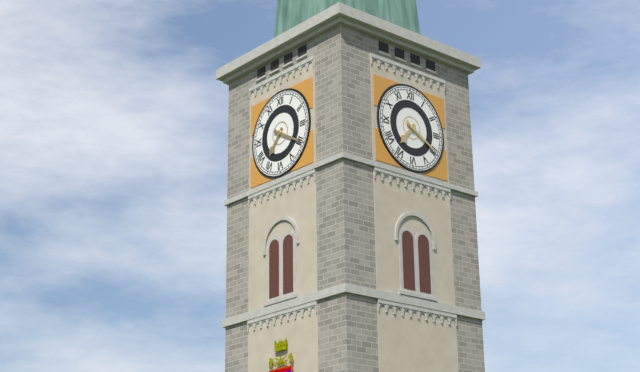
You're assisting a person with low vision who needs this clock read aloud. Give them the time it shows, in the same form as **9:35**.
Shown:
**7:20**
